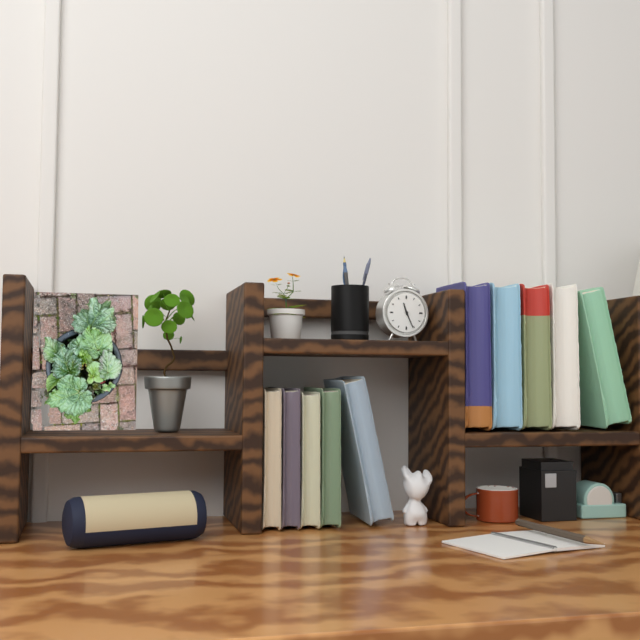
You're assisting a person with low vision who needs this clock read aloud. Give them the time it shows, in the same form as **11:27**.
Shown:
**11:26**
